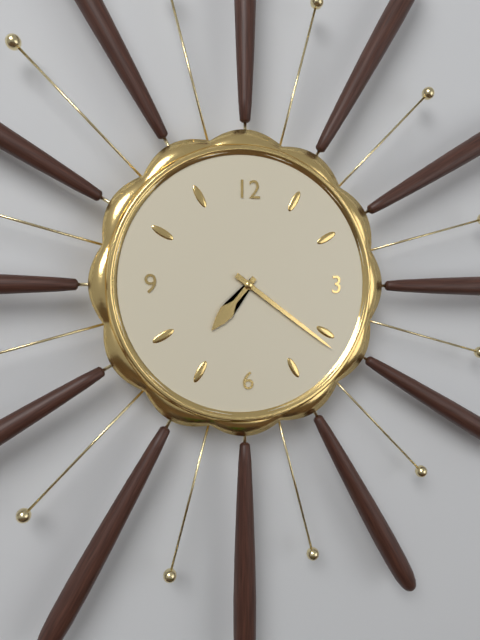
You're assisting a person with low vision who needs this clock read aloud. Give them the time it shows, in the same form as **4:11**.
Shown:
**7:21**
